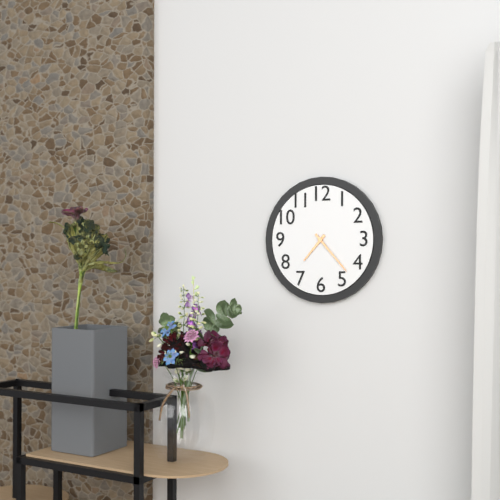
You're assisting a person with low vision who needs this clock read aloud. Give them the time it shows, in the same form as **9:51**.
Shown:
**7:23**
